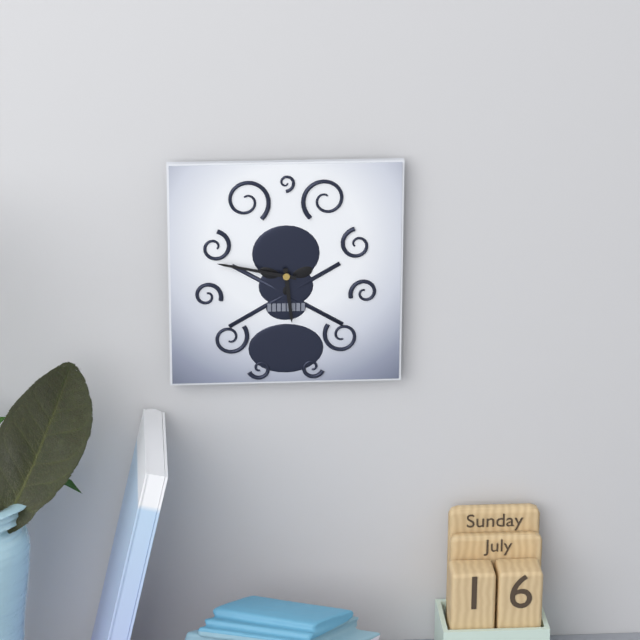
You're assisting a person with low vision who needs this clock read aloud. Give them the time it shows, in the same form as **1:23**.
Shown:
**5:47**
